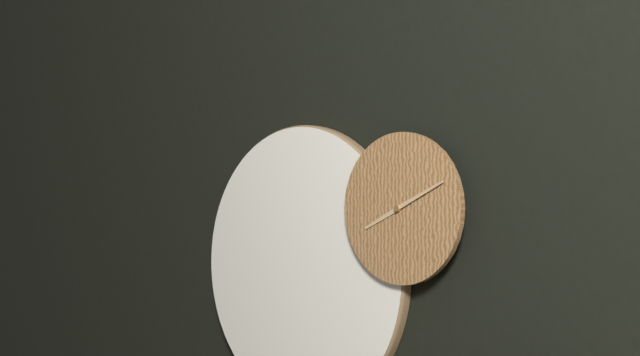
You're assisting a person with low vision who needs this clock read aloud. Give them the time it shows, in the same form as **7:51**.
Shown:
**8:11**
